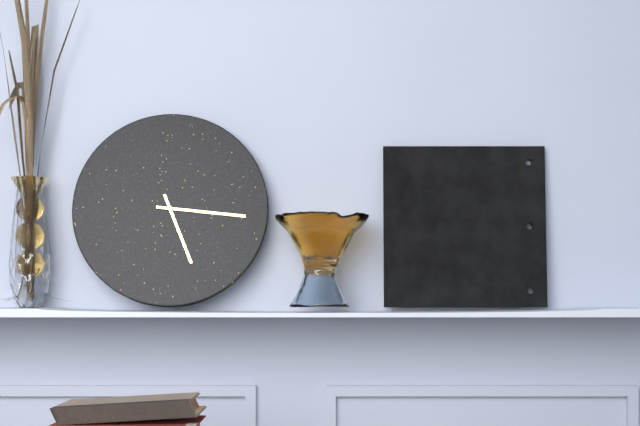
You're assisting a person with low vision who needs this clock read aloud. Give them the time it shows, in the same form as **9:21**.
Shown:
**5:16**
